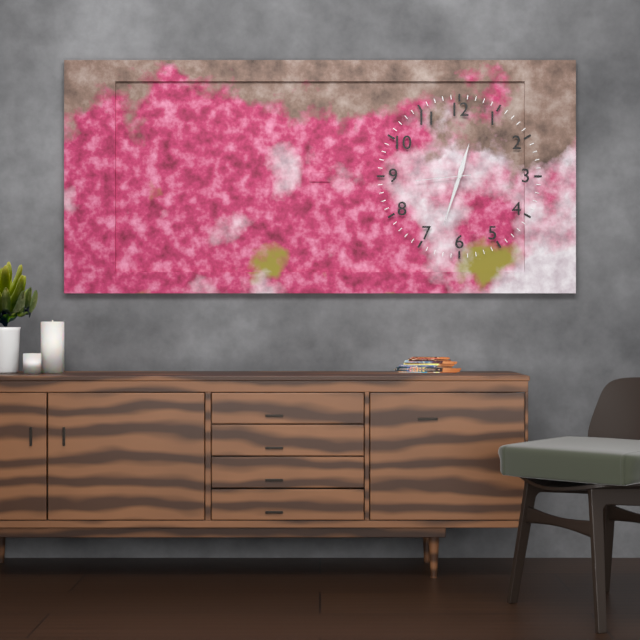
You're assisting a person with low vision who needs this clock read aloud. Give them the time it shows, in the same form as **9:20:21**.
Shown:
**12:33:44**
